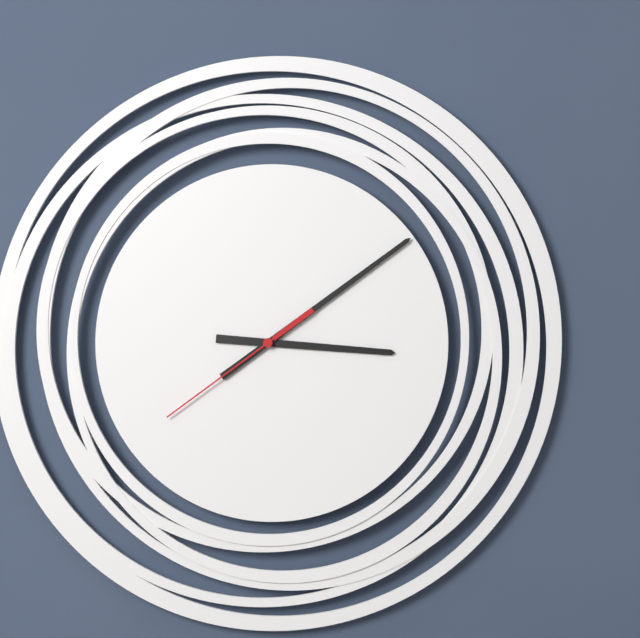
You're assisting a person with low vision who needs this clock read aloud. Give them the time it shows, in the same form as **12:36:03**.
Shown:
**3:09:39**
